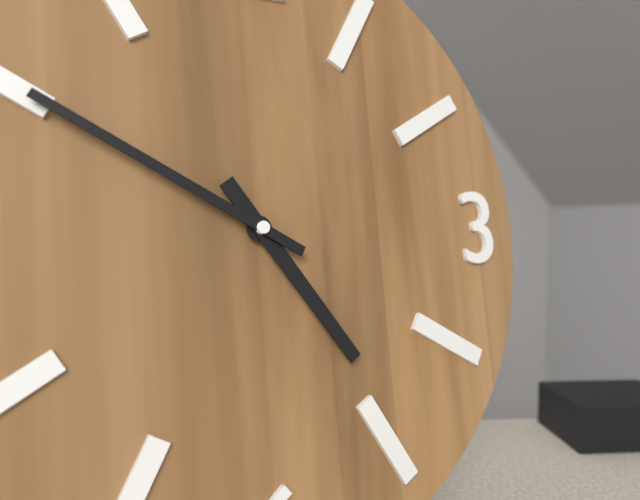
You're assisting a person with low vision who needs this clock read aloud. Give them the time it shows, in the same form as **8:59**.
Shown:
**4:50**
